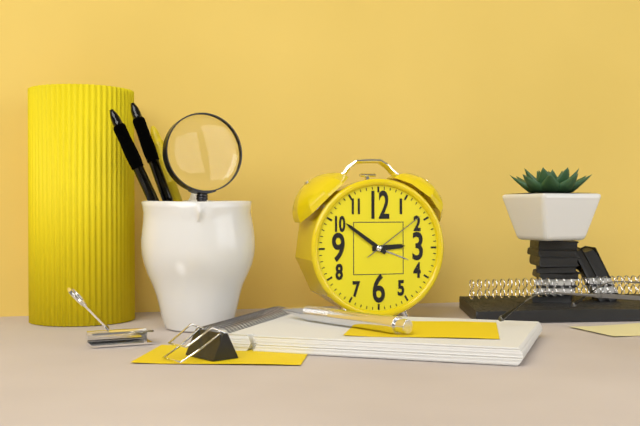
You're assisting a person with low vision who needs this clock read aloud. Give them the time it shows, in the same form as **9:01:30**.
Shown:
**2:51:09**
